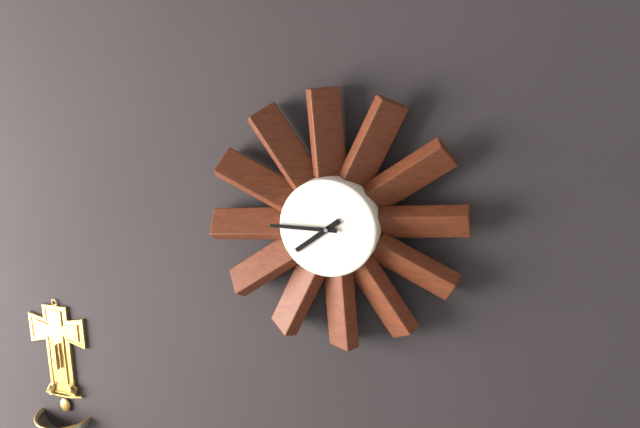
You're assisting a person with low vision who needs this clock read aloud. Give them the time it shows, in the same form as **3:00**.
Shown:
**7:45**
